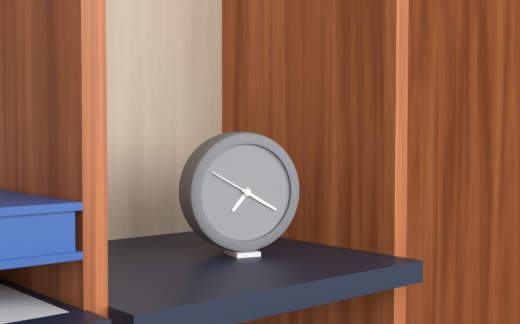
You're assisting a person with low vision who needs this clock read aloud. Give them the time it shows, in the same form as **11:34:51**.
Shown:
**7:20:50**
